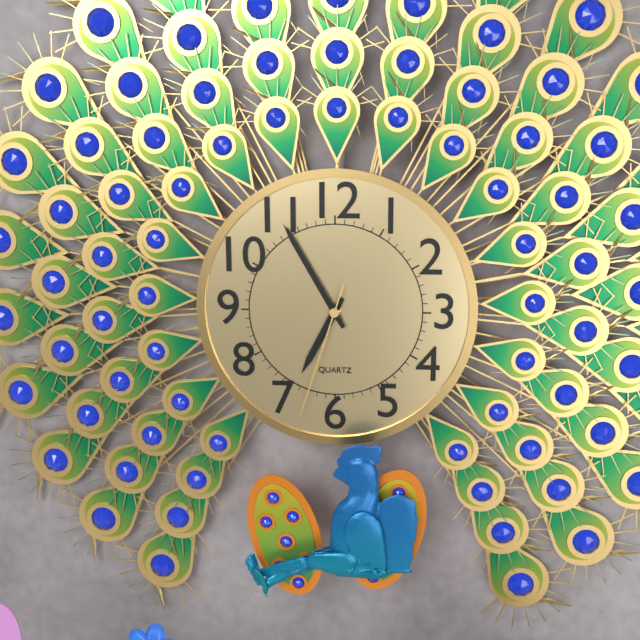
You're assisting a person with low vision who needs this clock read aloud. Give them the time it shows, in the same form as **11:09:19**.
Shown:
**6:55:33**
